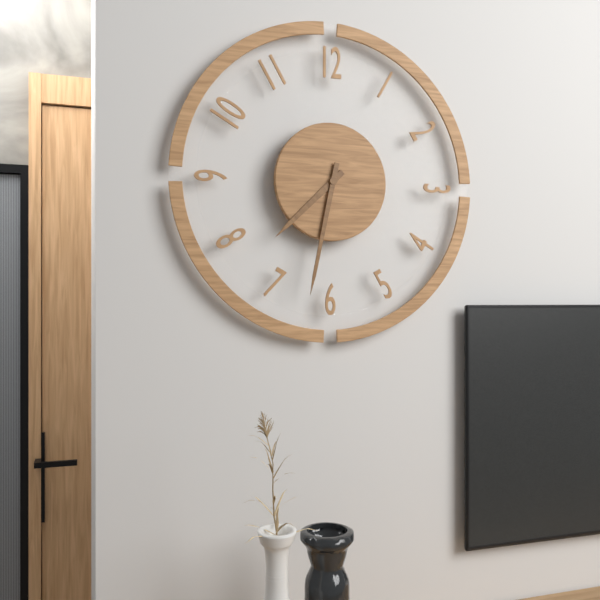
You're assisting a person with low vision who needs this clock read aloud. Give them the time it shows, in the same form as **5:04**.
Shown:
**7:32**
